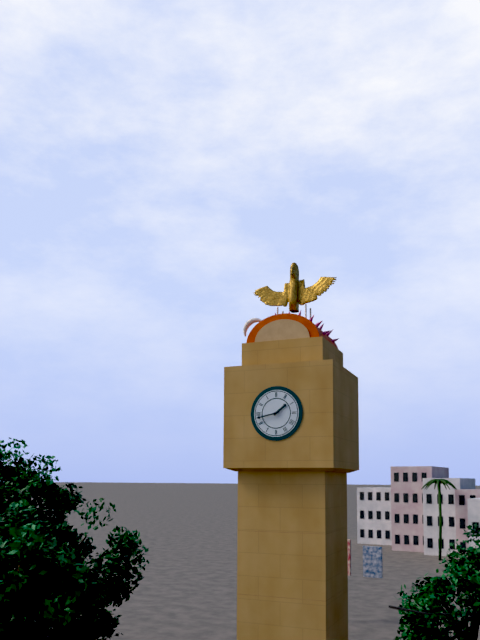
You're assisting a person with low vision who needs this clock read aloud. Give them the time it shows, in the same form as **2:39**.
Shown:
**1:43**
